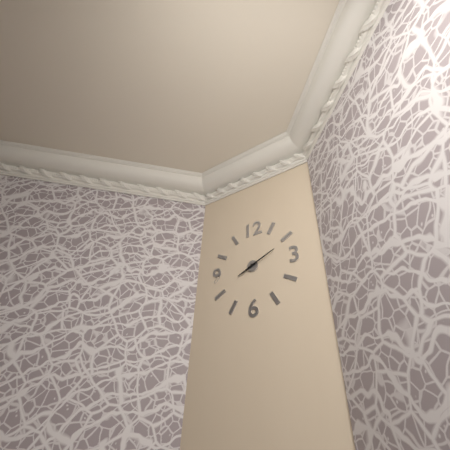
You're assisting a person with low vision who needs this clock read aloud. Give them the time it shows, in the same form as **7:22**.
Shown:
**8:11**
